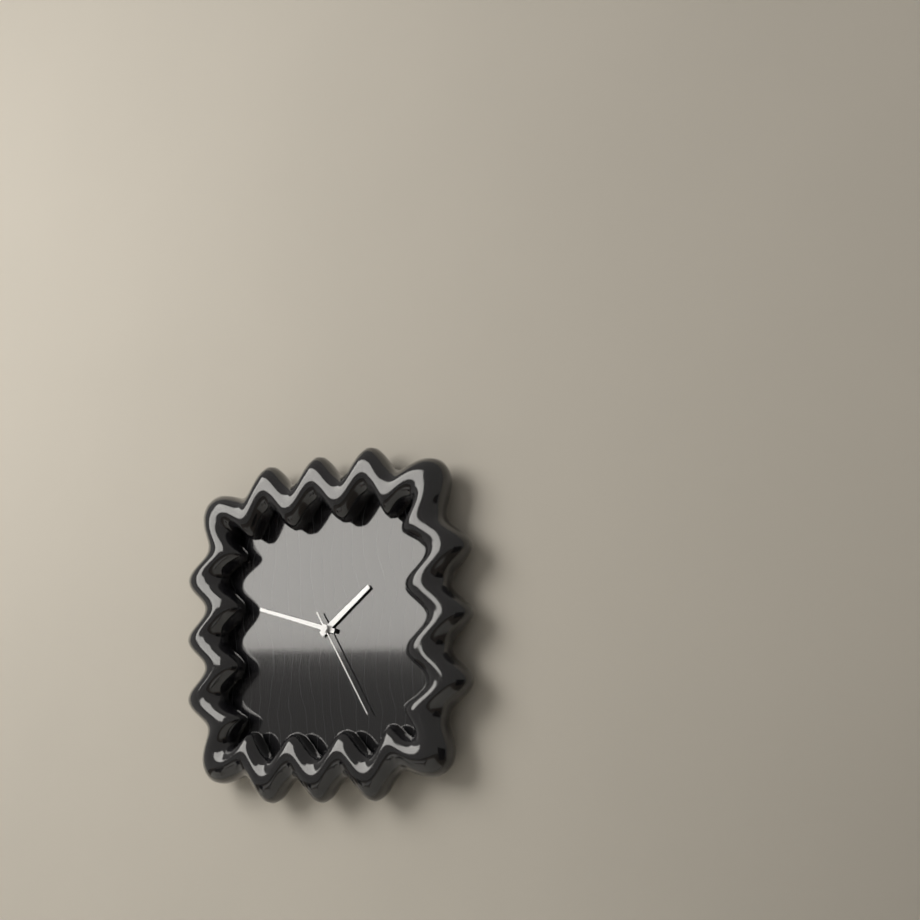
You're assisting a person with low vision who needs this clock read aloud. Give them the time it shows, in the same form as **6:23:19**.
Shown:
**1:48:25**
